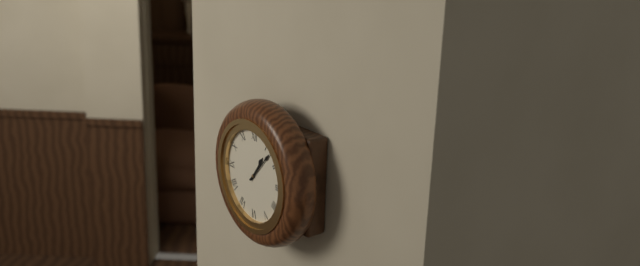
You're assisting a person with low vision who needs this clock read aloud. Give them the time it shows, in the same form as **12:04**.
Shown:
**1:07**
